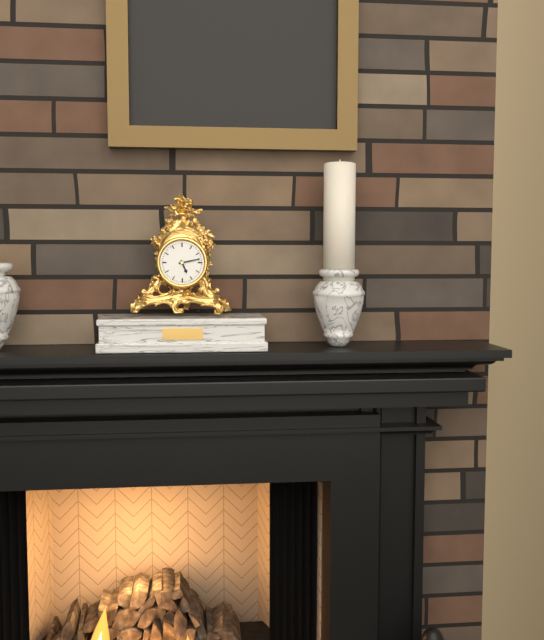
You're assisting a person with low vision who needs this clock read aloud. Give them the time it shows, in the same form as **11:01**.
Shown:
**5:13**
